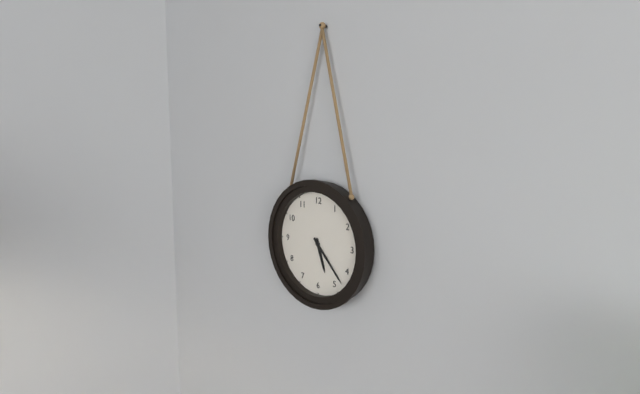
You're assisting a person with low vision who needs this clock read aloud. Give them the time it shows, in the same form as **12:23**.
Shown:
**5:23**
